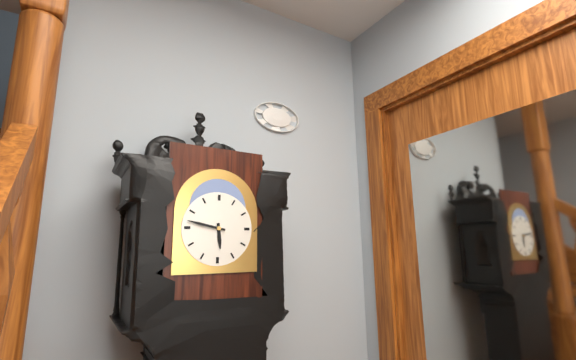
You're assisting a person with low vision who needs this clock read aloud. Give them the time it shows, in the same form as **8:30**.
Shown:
**5:47**
